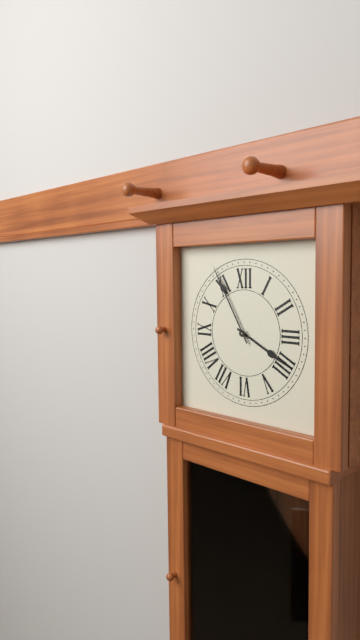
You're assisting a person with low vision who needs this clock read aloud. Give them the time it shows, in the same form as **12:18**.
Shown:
**3:55**
